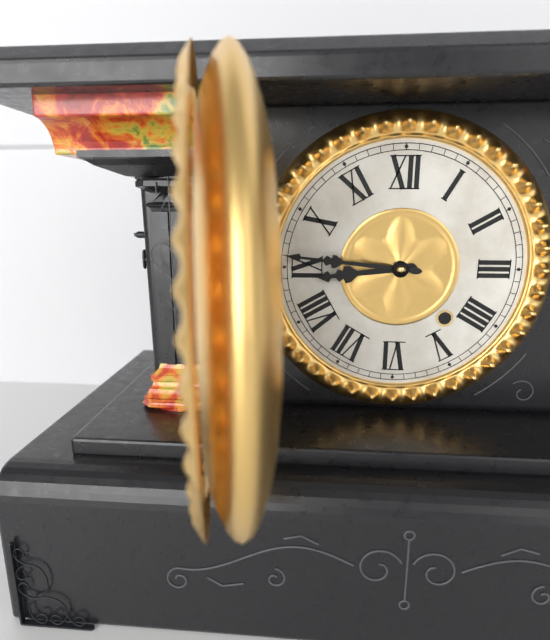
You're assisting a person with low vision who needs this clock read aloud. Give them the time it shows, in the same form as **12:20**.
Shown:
**8:46**
